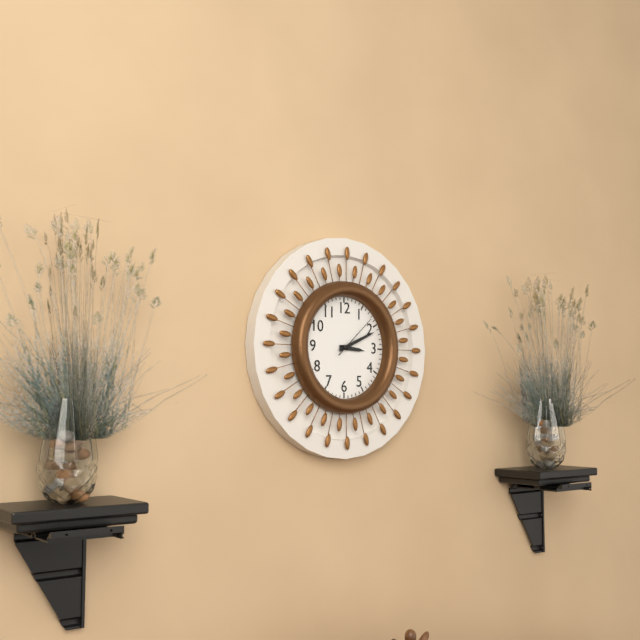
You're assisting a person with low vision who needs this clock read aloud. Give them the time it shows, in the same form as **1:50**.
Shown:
**3:11**
